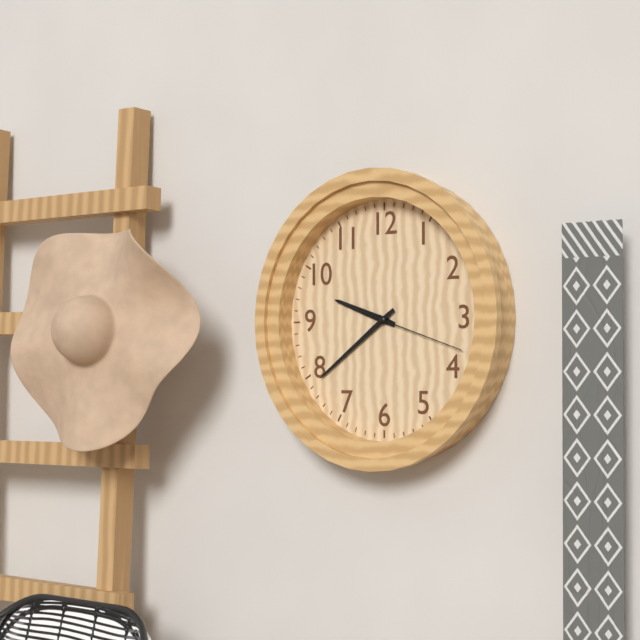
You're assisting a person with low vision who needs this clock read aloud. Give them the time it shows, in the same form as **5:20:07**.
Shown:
**9:39:18**
